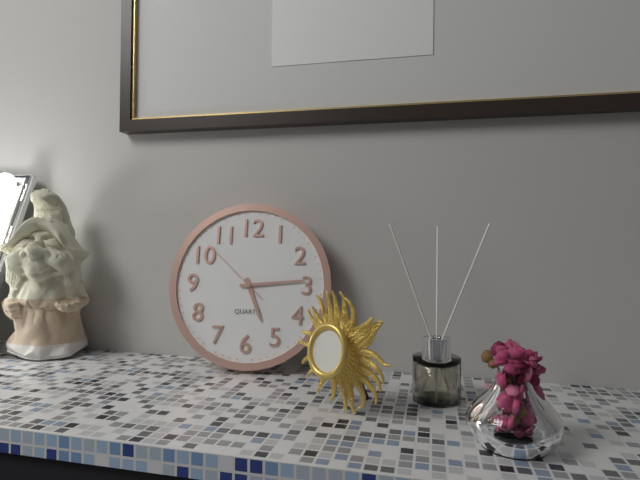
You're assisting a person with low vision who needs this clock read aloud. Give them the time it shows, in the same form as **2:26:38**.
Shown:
**5:14:52**
